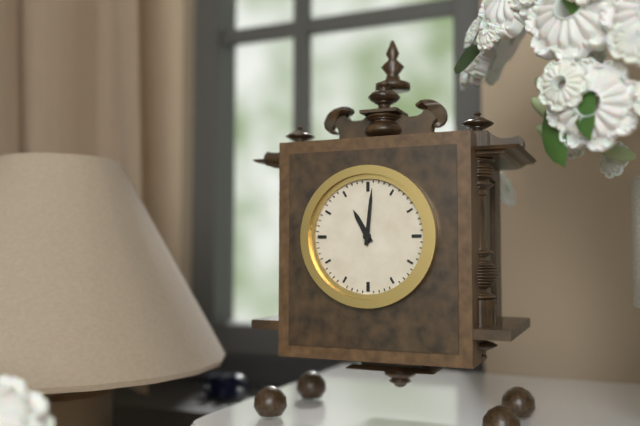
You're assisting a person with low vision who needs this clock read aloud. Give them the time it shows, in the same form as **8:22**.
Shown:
**11:01**
